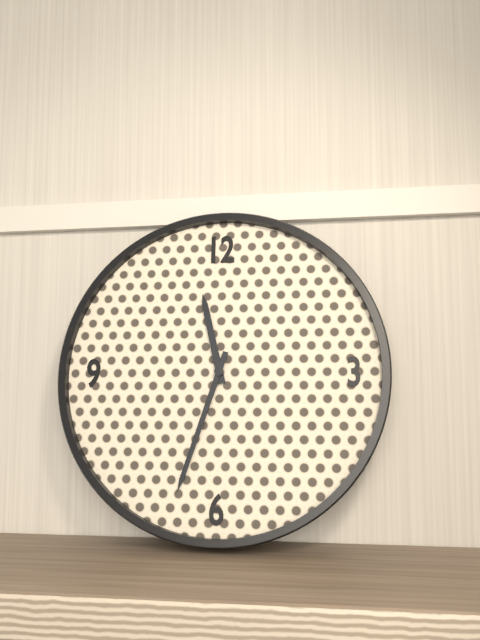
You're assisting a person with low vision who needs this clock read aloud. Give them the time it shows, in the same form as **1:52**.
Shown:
**11:33**
